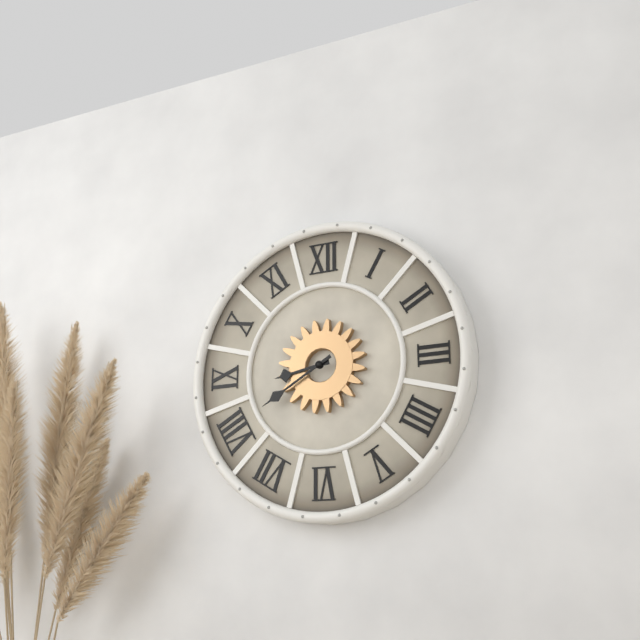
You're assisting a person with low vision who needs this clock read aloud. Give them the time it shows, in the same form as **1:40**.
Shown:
**8:40**
